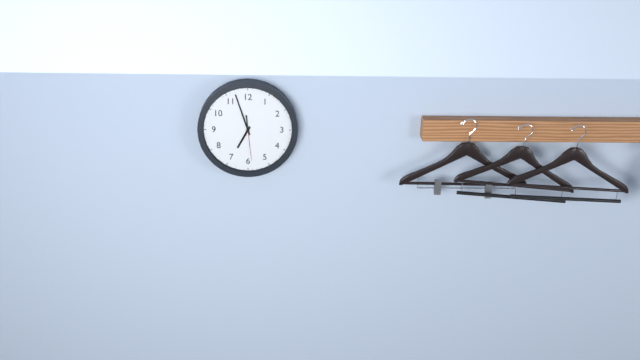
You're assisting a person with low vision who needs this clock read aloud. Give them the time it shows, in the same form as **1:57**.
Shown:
**6:57**
